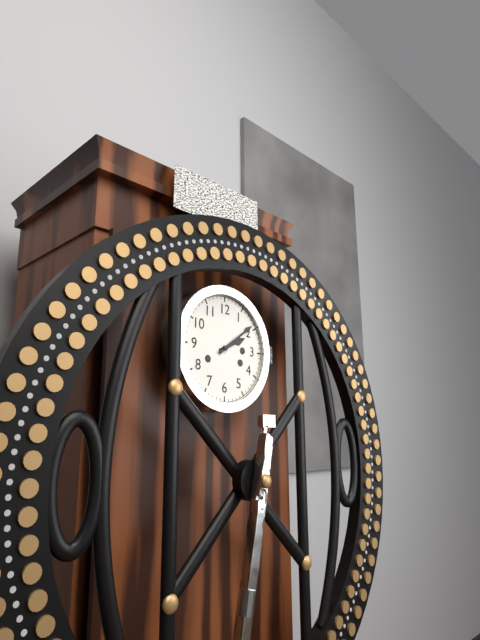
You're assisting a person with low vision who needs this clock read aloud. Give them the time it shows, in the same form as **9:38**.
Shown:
**2:09**
